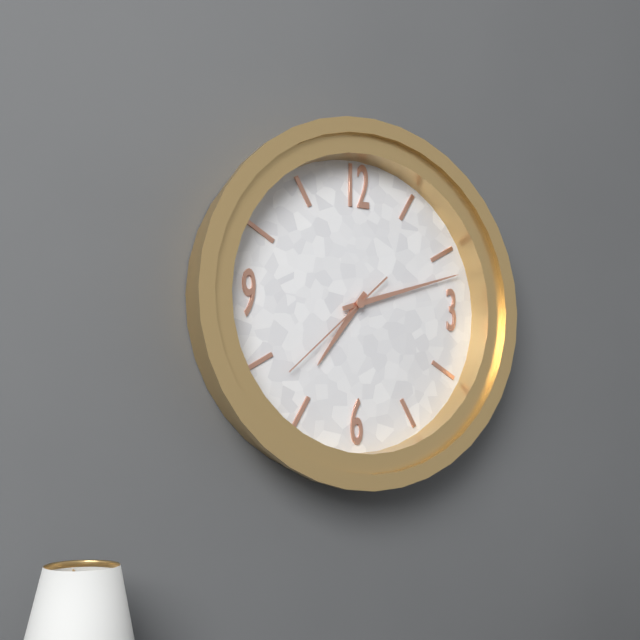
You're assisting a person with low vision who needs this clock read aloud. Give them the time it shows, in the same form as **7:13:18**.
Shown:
**7:12:38**
